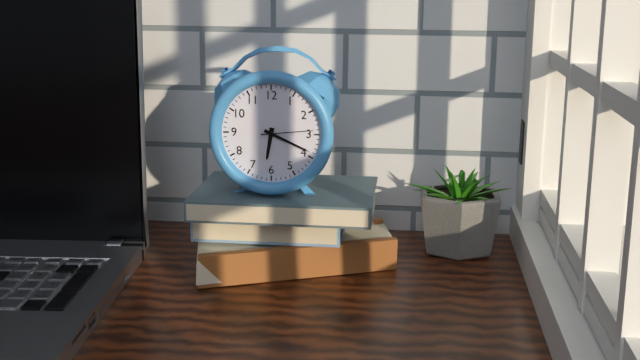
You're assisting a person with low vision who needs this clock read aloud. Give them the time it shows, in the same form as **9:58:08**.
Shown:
**6:19:14**
